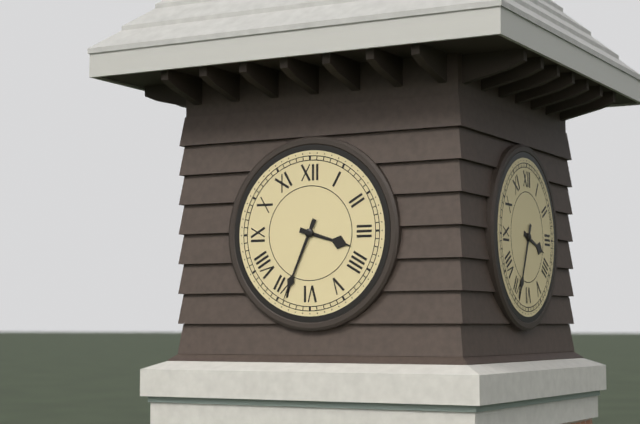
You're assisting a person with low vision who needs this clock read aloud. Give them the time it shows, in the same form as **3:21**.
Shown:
**3:34**
